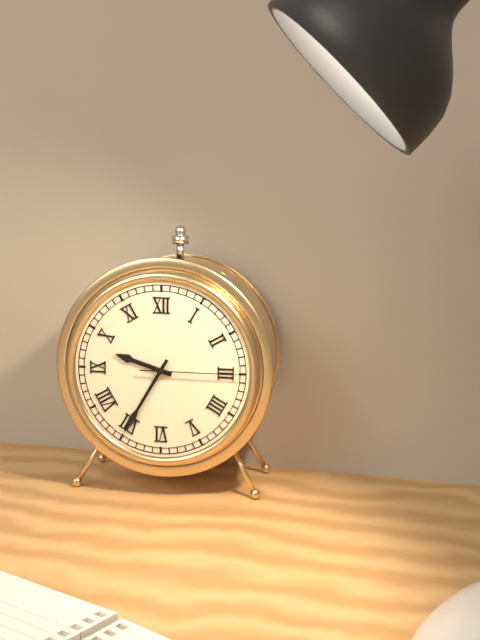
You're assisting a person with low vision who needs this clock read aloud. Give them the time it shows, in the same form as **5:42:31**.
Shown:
**9:35:15**
